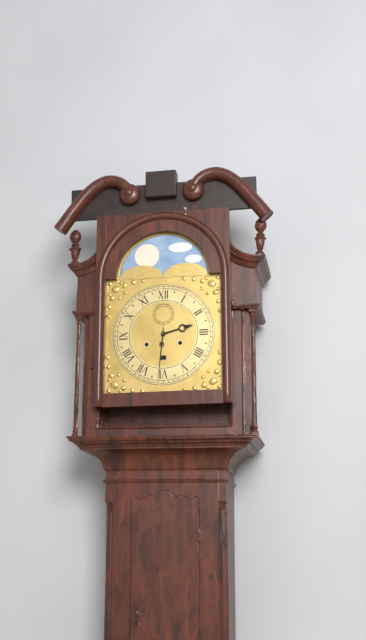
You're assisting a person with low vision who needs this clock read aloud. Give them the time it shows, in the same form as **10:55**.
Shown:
**2:31**
